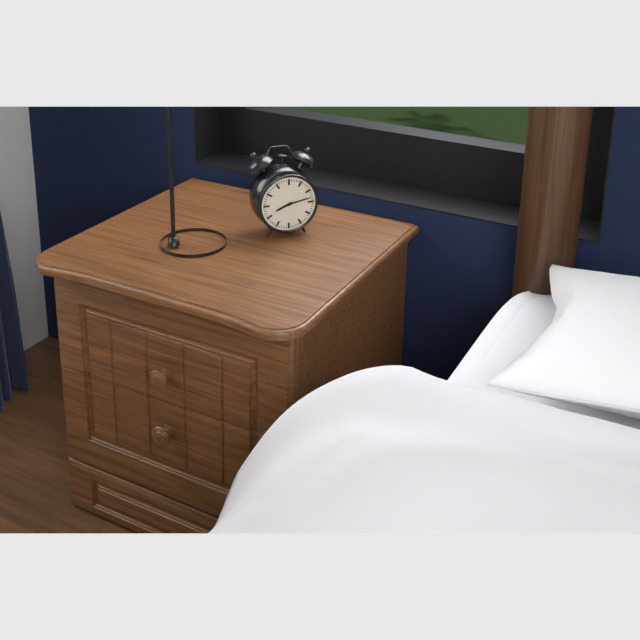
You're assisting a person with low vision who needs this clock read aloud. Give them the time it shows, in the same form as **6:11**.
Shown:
**8:13**
